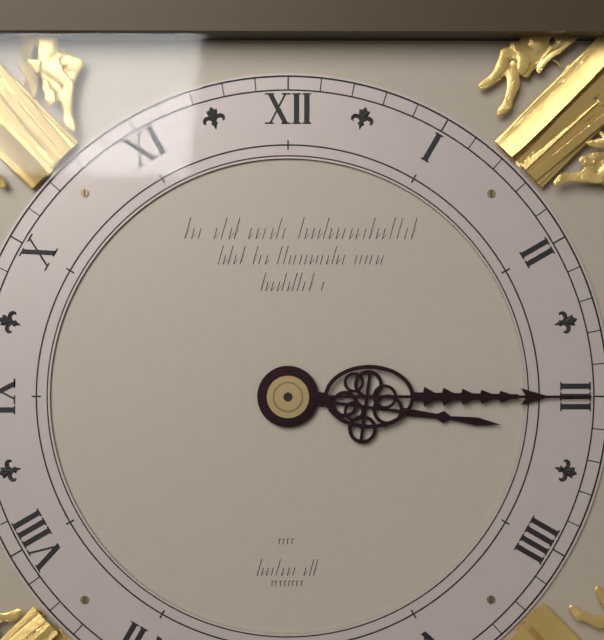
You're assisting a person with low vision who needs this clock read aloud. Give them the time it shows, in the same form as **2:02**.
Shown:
**3:15**
